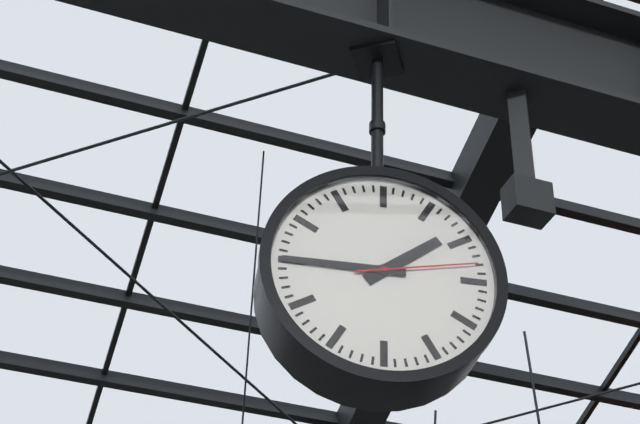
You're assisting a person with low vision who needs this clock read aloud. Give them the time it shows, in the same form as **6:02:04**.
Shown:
**1:45:13**
